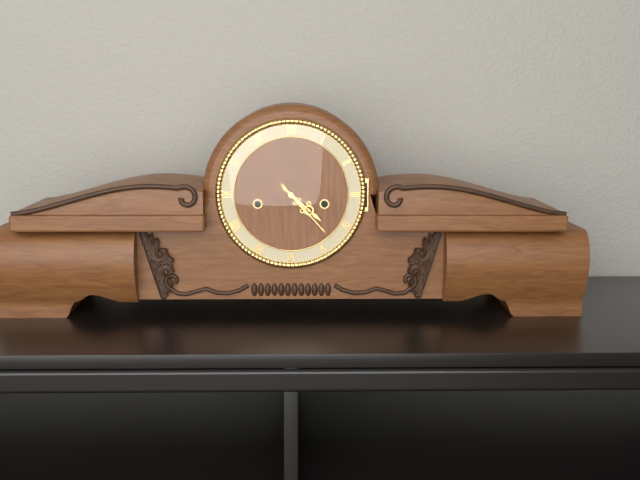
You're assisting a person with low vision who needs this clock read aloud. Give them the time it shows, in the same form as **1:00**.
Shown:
**4:23**
